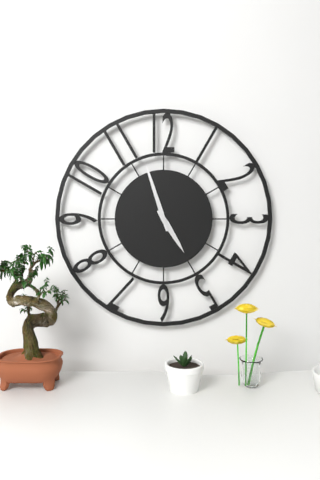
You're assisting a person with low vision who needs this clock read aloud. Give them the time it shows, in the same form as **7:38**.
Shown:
**4:57**
